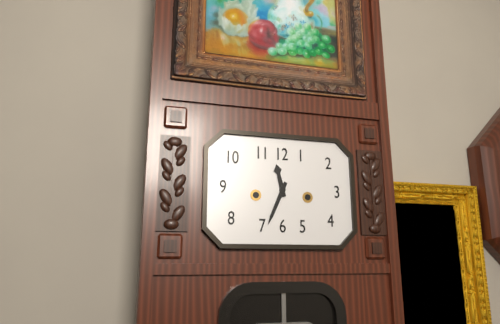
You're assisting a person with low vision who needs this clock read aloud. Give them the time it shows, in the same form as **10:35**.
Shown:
**11:34**
